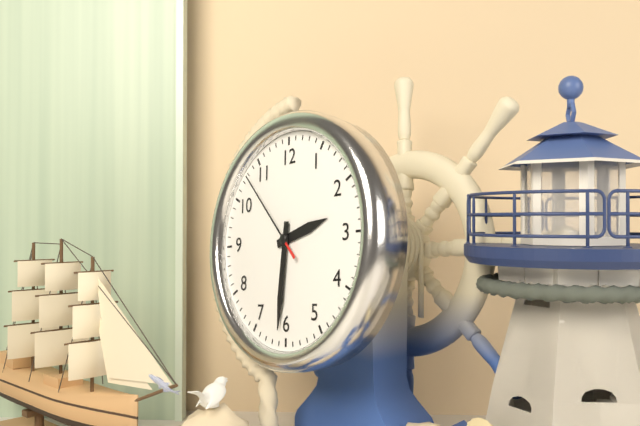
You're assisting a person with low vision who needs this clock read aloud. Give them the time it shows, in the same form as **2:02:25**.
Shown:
**2:31:53**
